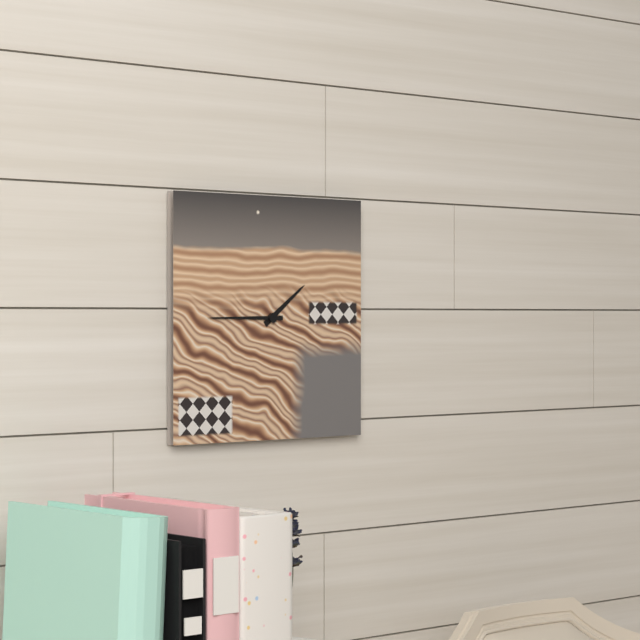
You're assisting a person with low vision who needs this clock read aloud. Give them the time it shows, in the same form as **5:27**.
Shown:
**1:45**
